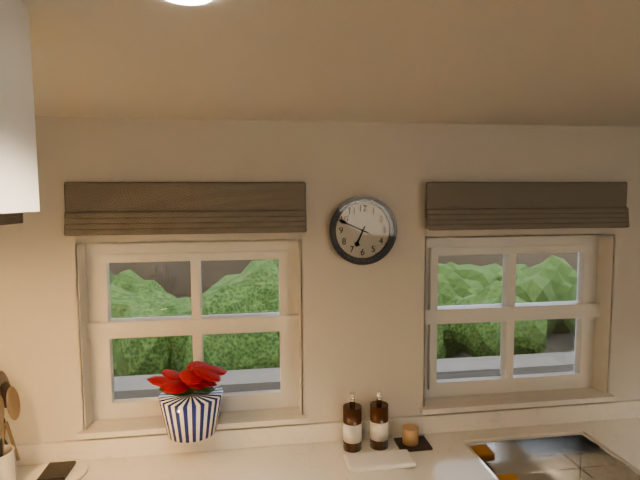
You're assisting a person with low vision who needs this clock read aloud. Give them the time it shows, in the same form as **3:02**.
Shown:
**6:49**
